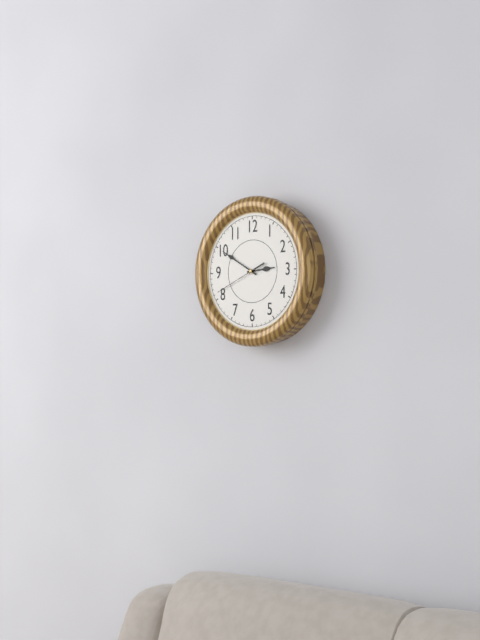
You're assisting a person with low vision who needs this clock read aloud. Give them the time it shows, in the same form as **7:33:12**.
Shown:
**2:50:41**
